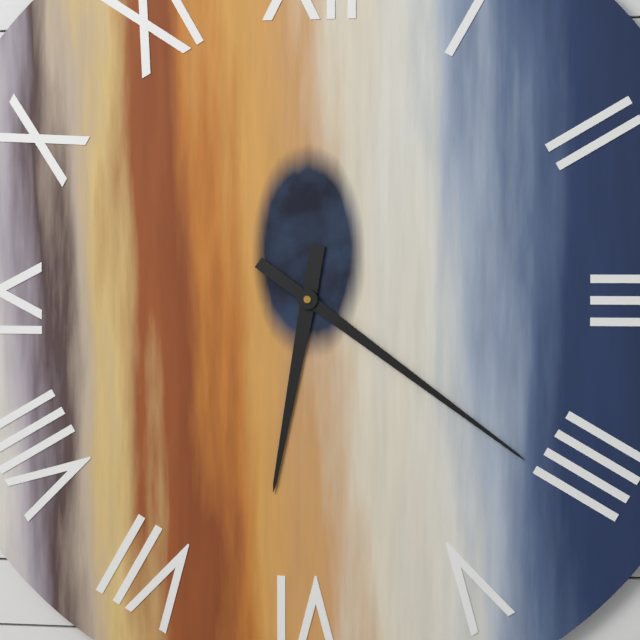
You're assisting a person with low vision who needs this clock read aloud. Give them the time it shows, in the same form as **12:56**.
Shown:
**6:21**
